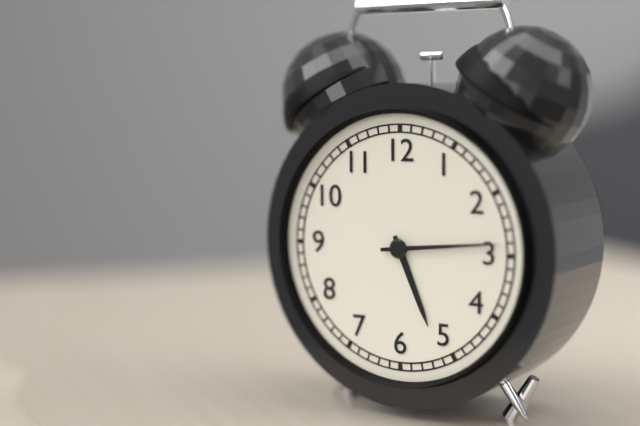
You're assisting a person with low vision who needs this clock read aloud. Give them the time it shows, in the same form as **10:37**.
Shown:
**5:14**
